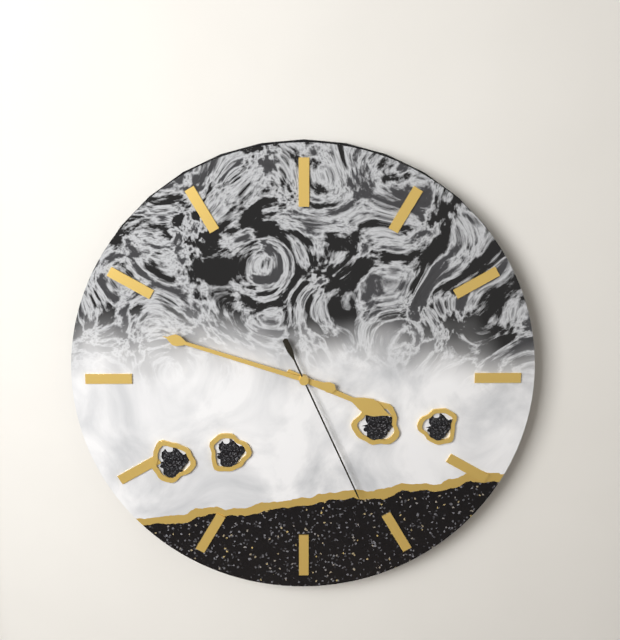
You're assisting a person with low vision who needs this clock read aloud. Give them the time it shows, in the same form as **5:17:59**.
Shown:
**3:48:26**
